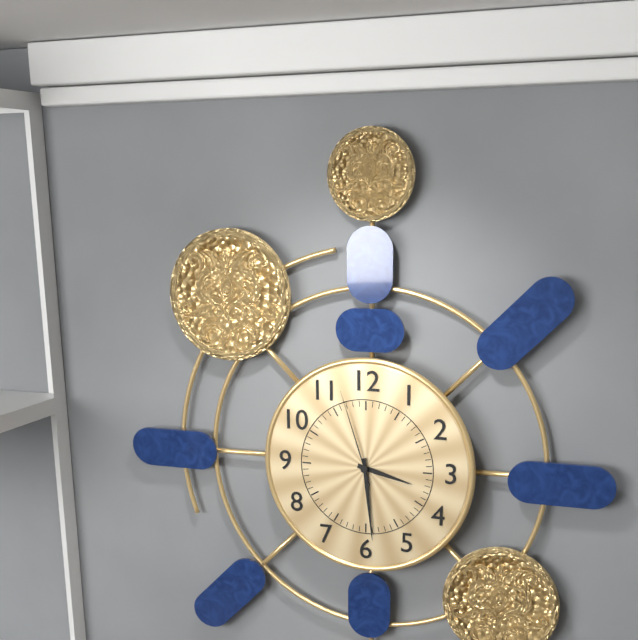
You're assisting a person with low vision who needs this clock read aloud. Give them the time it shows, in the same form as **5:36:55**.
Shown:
**3:29:57**
